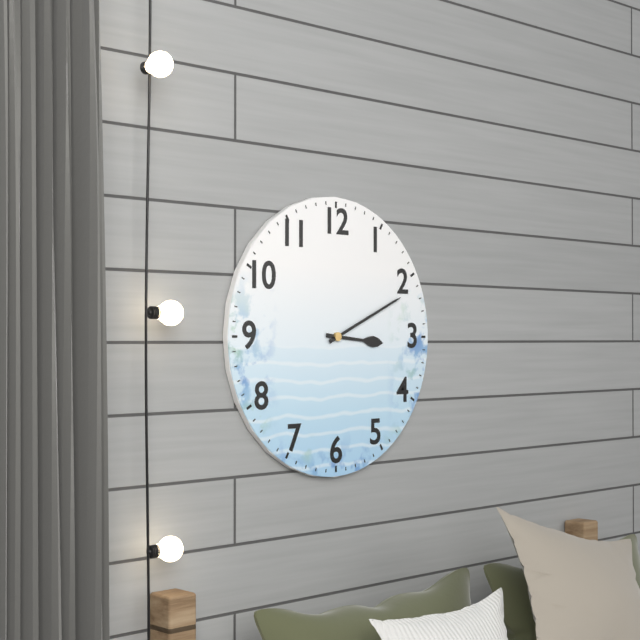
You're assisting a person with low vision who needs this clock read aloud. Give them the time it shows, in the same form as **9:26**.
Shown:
**3:11**
